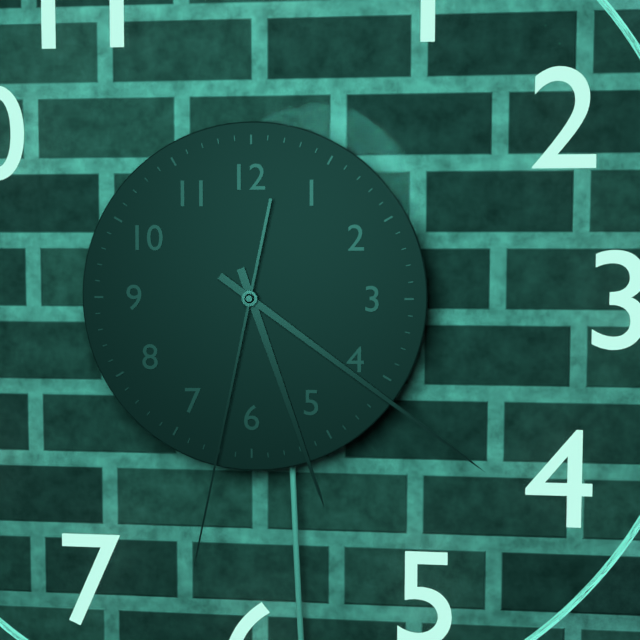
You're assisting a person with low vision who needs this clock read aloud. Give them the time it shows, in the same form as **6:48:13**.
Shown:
**5:21:32**
